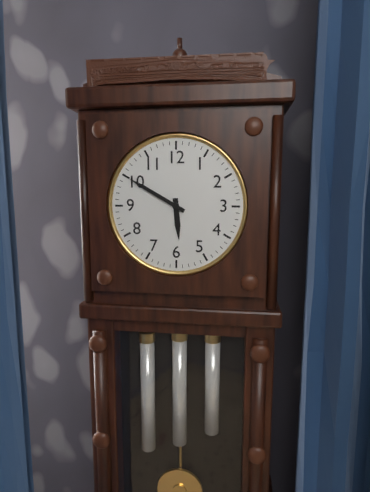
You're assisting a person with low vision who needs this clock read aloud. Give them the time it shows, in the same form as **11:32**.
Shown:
**5:50**
